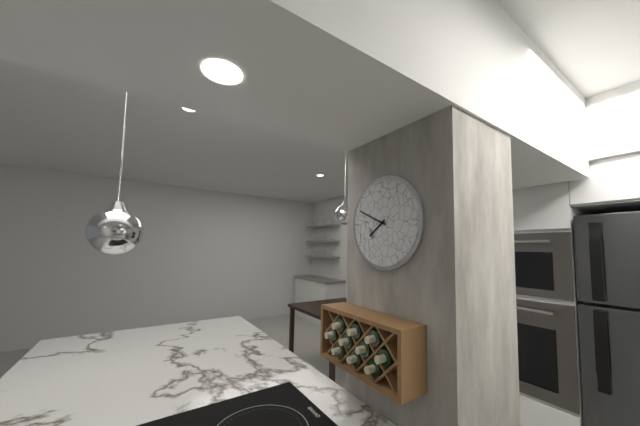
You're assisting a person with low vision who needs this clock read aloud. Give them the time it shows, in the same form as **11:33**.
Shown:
**7:49**
